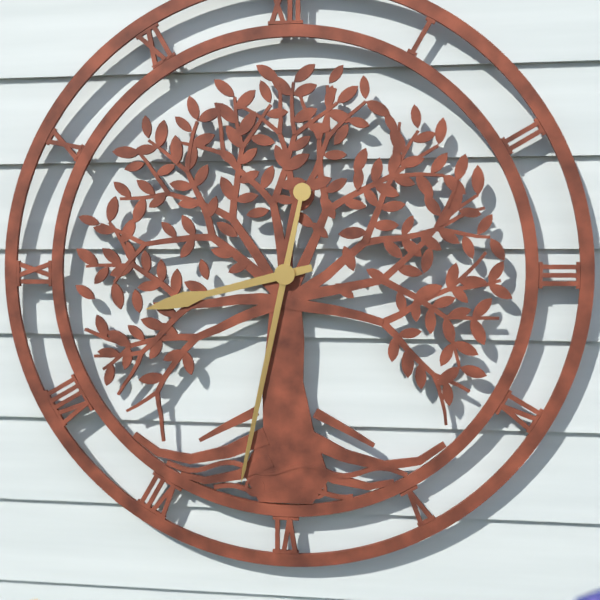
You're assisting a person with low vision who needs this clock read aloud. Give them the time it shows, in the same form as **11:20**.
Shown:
**8:32**
